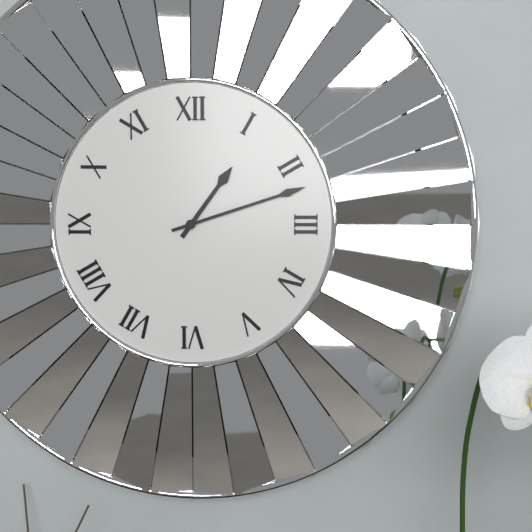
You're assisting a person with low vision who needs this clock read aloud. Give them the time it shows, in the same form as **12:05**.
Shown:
**1:12**
